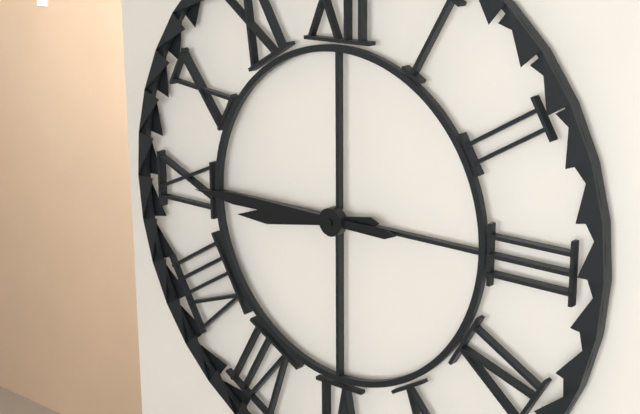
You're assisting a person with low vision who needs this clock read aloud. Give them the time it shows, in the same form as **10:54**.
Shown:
**8:45**
